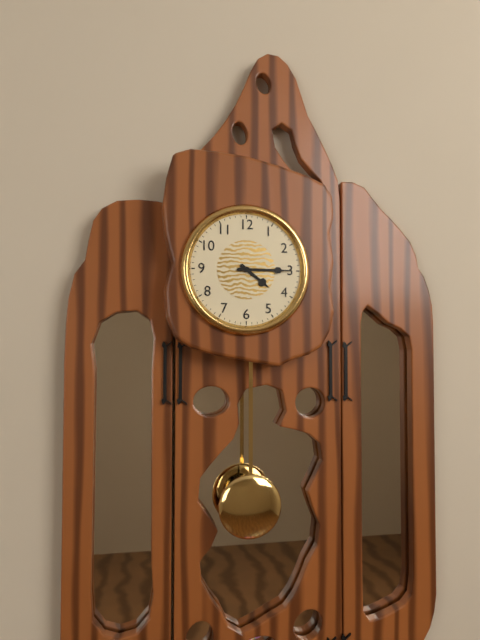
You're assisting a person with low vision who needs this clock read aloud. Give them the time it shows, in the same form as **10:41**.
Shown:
**4:15**
